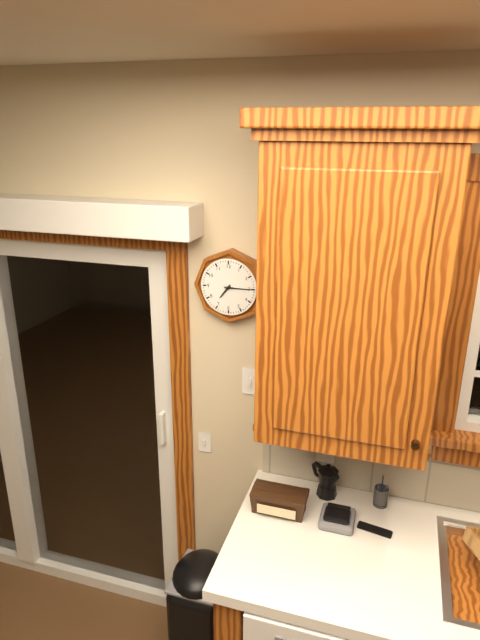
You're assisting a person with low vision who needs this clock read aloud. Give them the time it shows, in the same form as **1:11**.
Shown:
**7:15**
